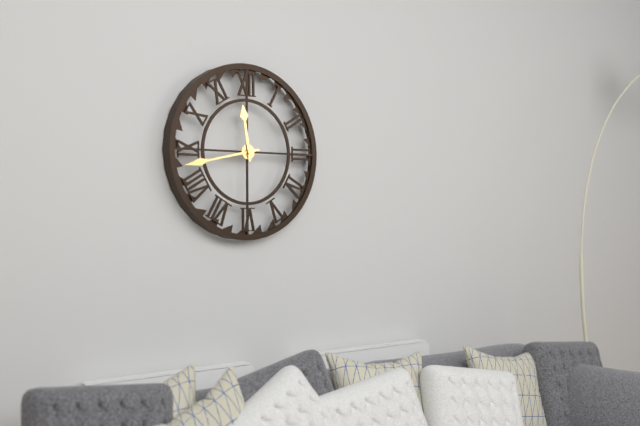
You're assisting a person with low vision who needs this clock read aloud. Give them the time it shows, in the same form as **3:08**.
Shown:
**11:43**
